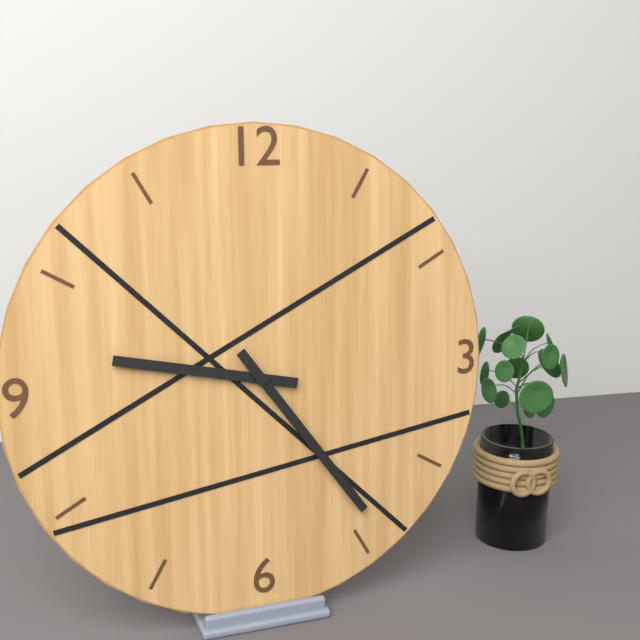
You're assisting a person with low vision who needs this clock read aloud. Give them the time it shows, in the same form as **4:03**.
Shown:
**9:24**
